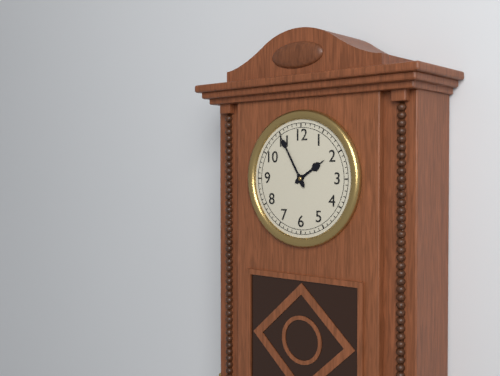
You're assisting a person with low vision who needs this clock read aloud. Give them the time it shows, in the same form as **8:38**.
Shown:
**1:55**
